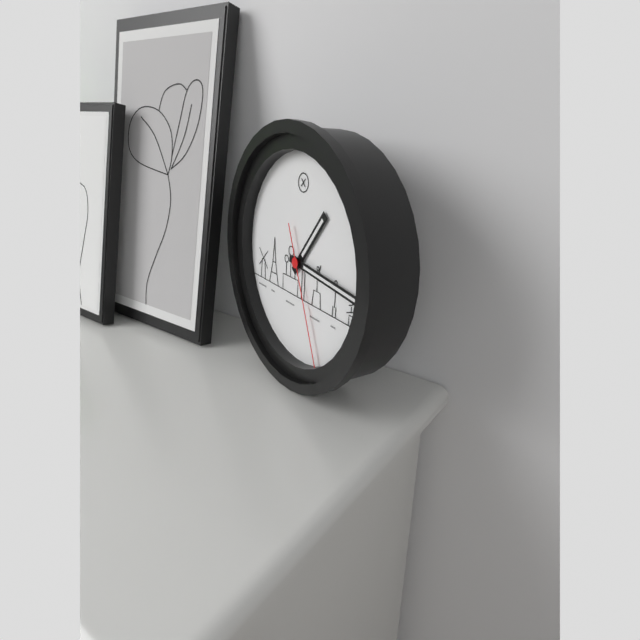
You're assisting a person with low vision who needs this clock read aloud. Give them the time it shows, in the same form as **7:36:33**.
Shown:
**1:16:26**
